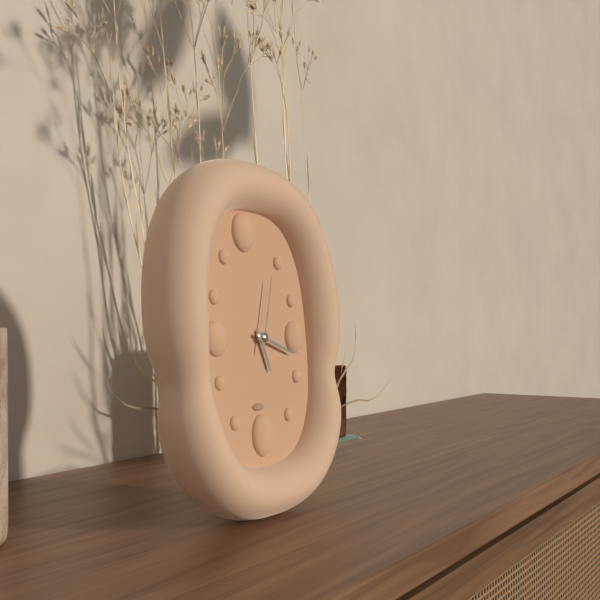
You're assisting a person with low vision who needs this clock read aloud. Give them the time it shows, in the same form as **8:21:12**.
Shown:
**5:18:03**
